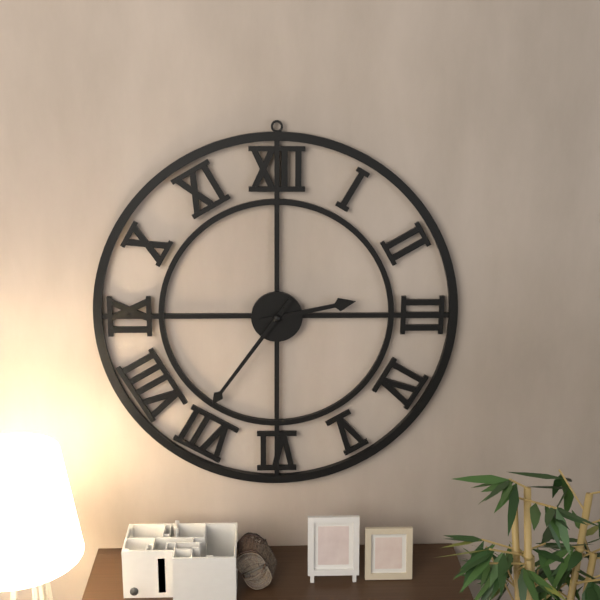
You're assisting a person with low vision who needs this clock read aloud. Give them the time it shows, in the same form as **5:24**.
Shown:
**2:36**
